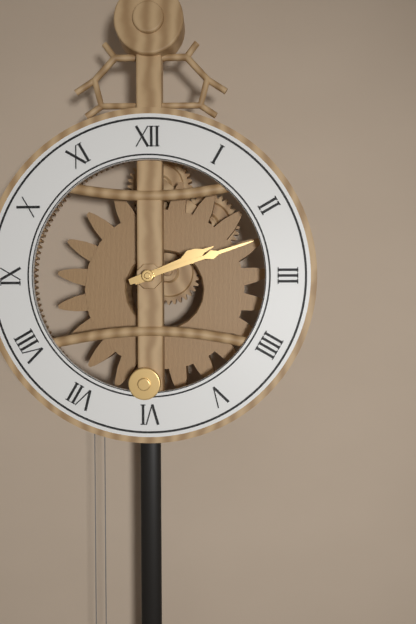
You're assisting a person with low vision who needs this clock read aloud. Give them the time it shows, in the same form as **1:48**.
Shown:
**2:12**
